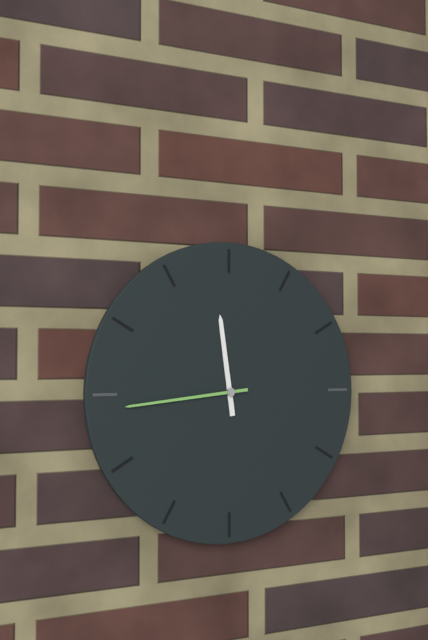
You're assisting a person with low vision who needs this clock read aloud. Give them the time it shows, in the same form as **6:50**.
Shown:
**11:44**
